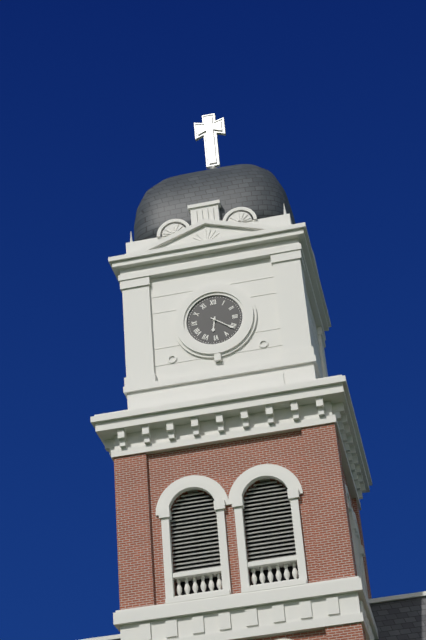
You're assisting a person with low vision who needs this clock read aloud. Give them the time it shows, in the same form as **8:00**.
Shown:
**6:21**
